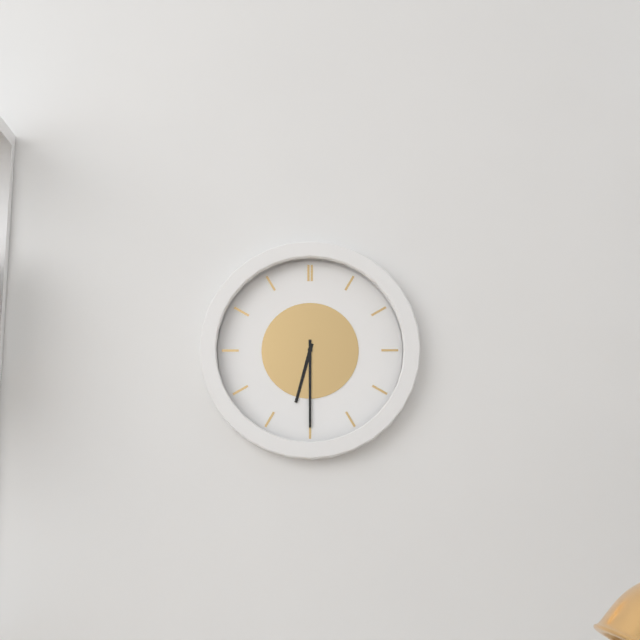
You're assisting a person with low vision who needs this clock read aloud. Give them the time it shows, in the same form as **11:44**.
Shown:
**6:30**
